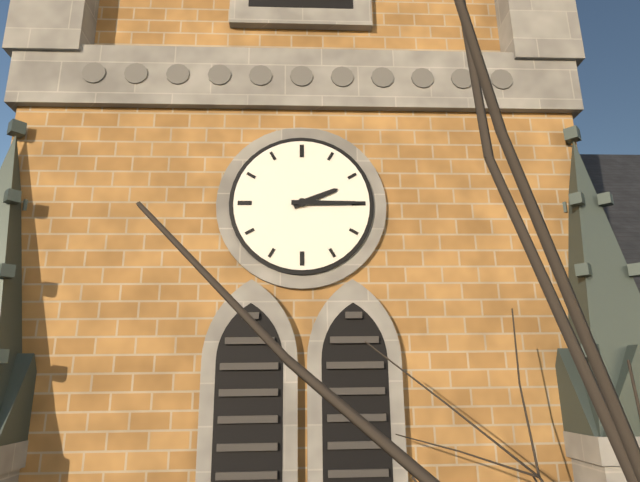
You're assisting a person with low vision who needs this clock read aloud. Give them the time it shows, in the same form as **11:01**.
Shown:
**2:15**
